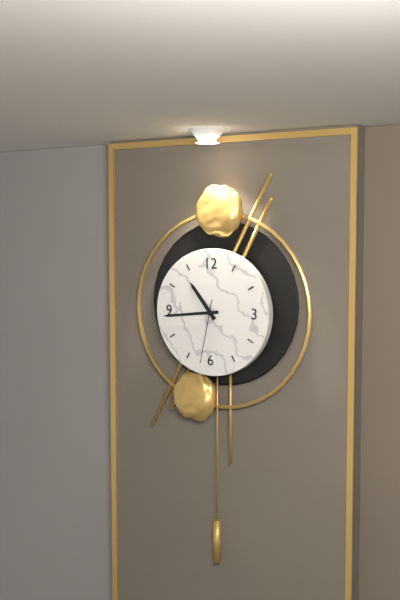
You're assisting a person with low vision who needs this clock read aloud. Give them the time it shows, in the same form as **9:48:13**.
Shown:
**10:44:32**
